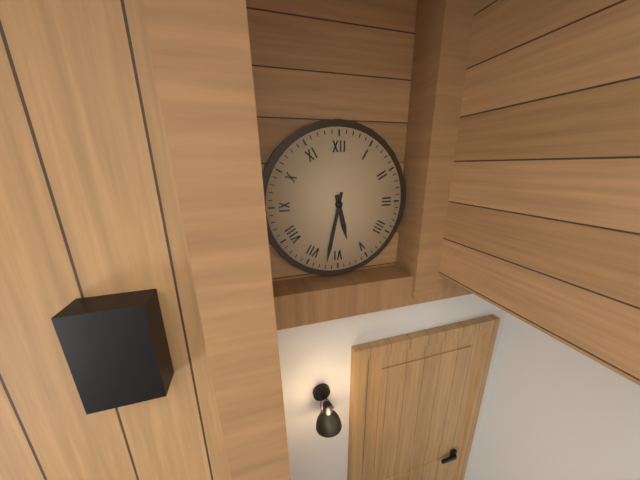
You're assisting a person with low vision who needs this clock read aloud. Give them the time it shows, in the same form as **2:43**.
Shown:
**5:32**
